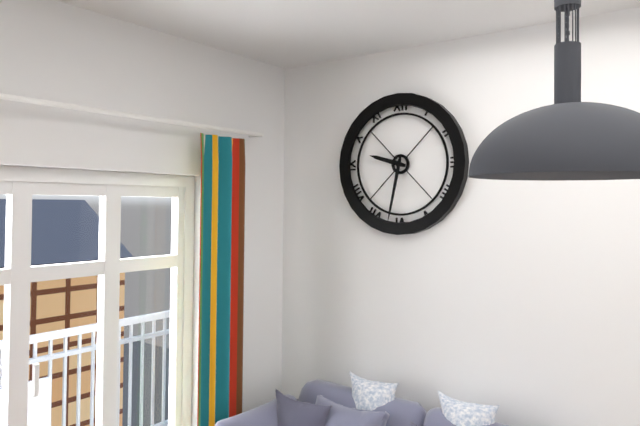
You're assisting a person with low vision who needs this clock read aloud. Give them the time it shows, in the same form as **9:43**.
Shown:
**9:32**
